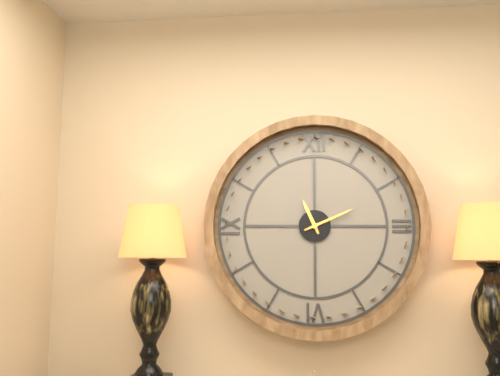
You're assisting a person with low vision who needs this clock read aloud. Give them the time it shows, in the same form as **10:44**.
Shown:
**11:11**
